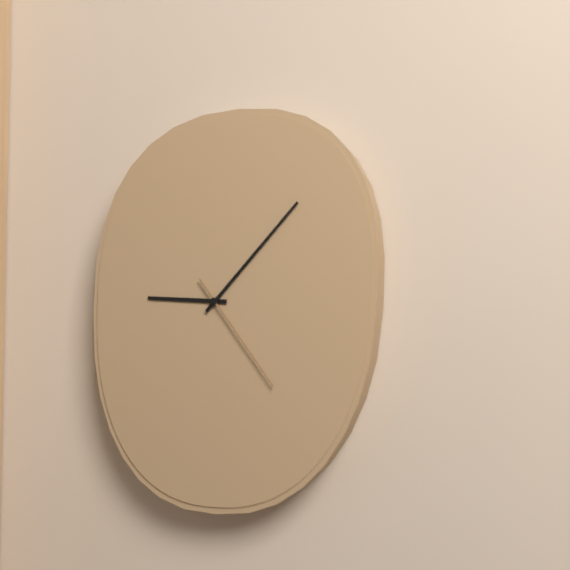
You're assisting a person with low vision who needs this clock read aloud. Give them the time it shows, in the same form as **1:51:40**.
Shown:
**9:07:24**
